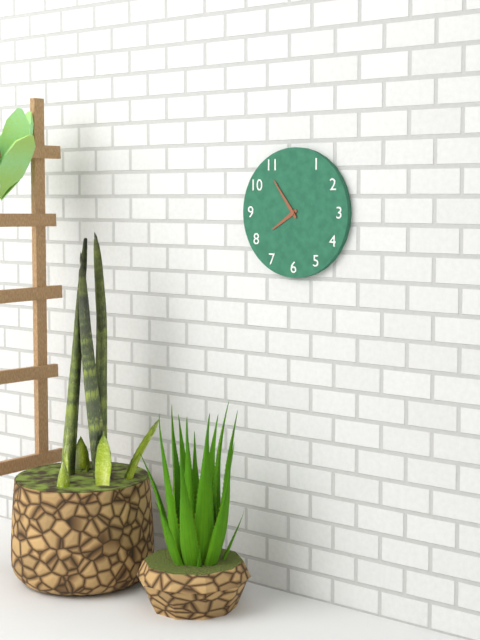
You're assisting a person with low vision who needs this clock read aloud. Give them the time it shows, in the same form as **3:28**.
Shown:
**7:54**
